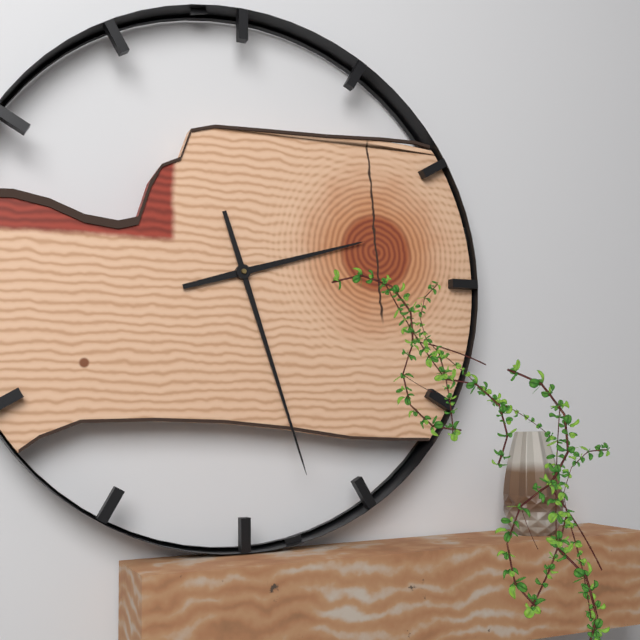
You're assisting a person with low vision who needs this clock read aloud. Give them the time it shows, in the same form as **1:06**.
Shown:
**2:27**
